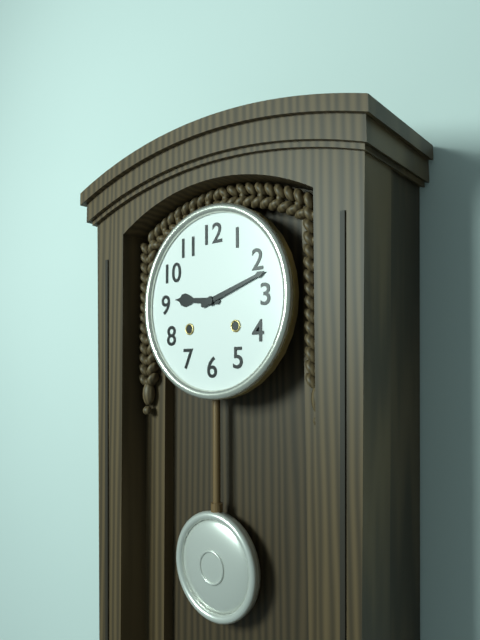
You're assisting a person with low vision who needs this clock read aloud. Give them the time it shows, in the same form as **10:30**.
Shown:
**9:12**
